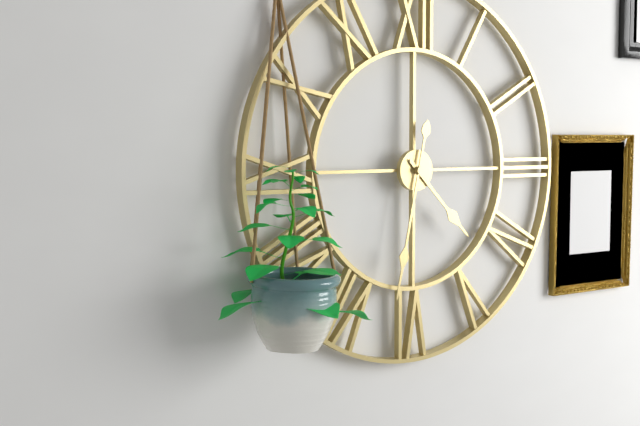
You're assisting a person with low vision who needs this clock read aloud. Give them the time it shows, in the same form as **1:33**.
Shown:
**4:32**
